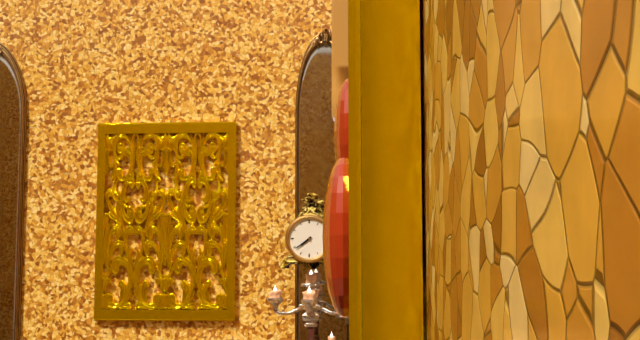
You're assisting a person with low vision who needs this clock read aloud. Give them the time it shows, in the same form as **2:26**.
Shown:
**7:39**
